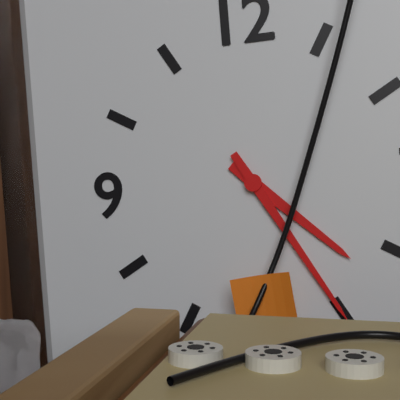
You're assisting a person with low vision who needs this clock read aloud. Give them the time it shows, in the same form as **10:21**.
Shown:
**4:25**
